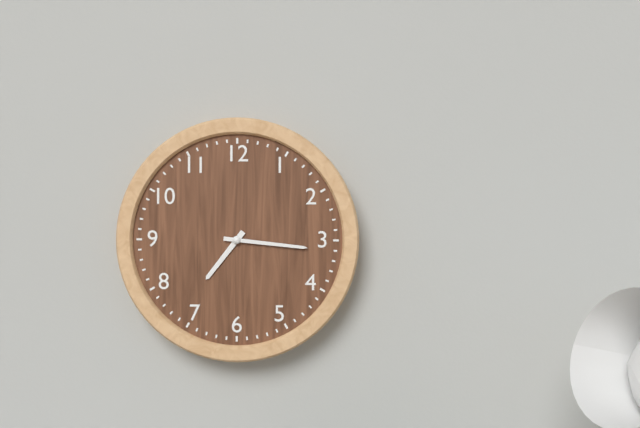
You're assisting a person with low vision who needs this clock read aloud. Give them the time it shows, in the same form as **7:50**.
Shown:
**7:16**
